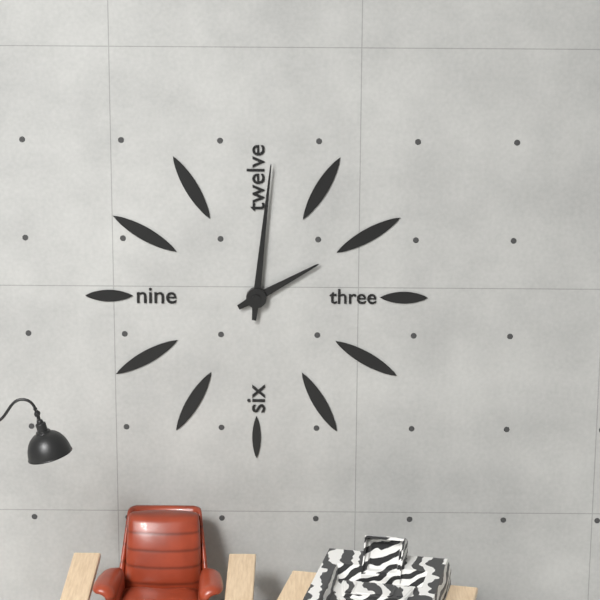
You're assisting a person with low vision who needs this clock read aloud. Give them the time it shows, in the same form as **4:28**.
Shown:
**2:01**
